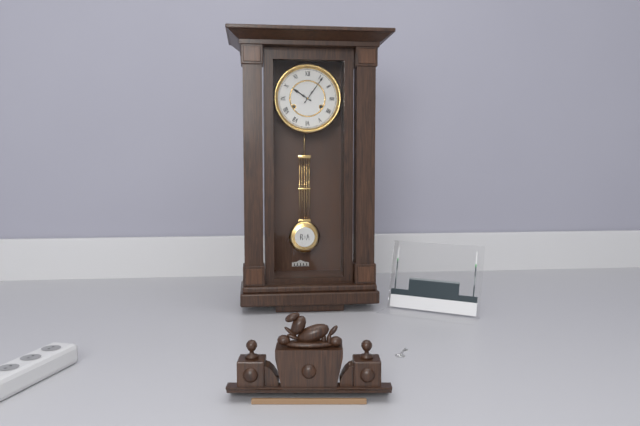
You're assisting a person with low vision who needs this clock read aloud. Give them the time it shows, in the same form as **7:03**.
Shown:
**10:06**
